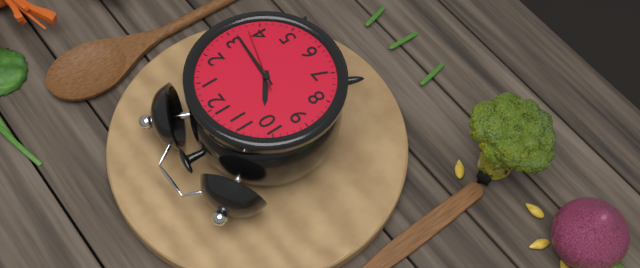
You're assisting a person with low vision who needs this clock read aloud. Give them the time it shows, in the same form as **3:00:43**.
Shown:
**10:16:18**
